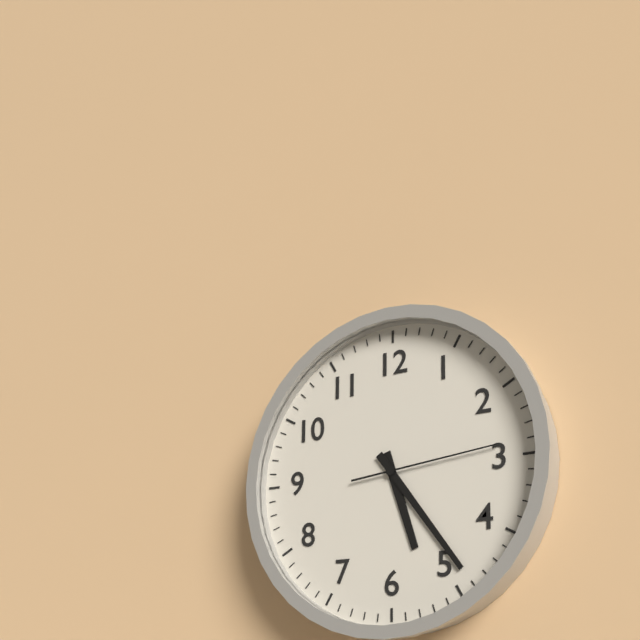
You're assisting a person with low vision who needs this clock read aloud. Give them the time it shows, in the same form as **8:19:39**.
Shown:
**5:24:14**
